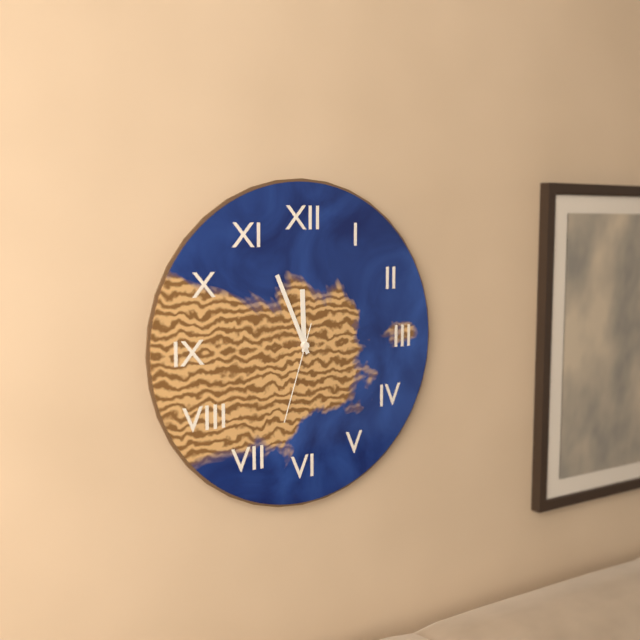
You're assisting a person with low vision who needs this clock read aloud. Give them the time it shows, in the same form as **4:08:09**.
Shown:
**11:56:33**
